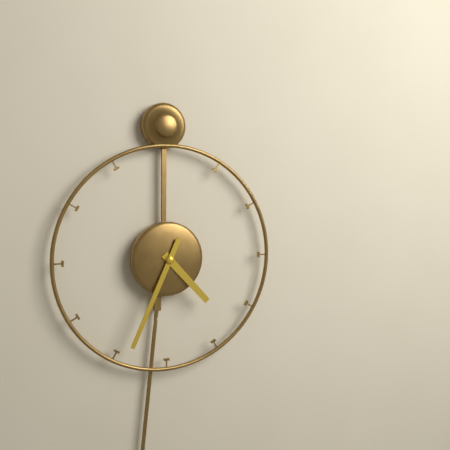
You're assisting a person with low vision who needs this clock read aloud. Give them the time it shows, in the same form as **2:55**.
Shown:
**4:34**
